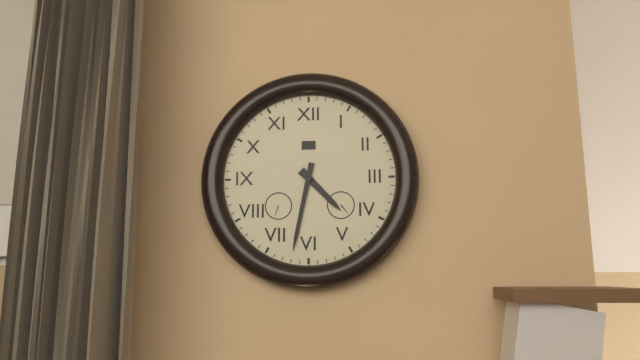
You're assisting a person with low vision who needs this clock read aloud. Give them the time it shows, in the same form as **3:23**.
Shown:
**4:32**
